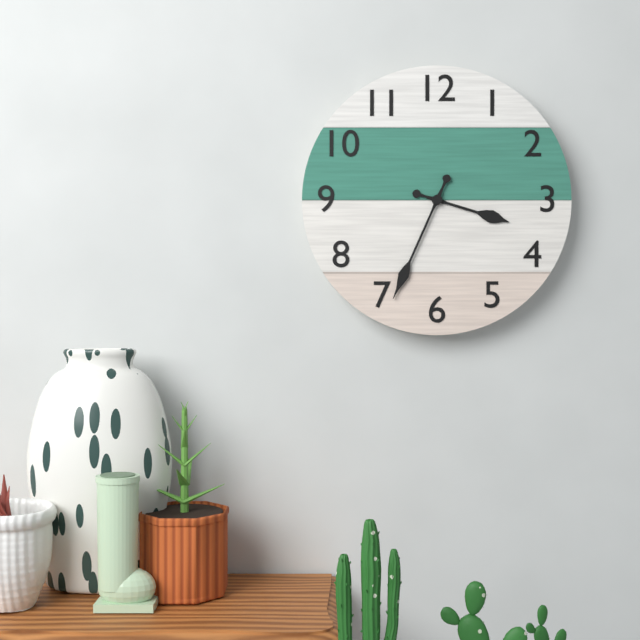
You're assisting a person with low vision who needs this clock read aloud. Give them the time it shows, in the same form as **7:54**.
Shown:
**3:34**
